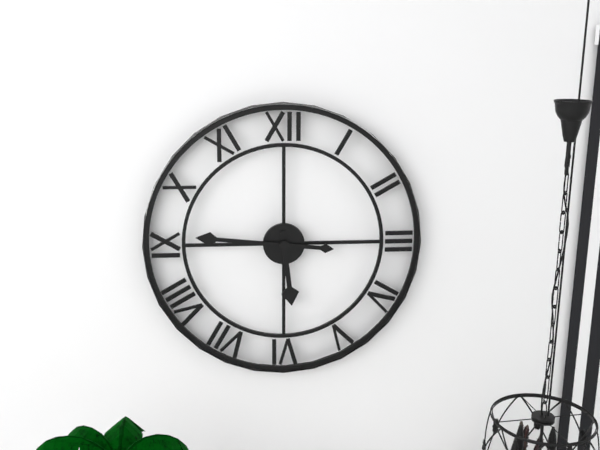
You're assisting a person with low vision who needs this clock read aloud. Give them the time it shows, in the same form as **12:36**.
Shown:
**5:46**
